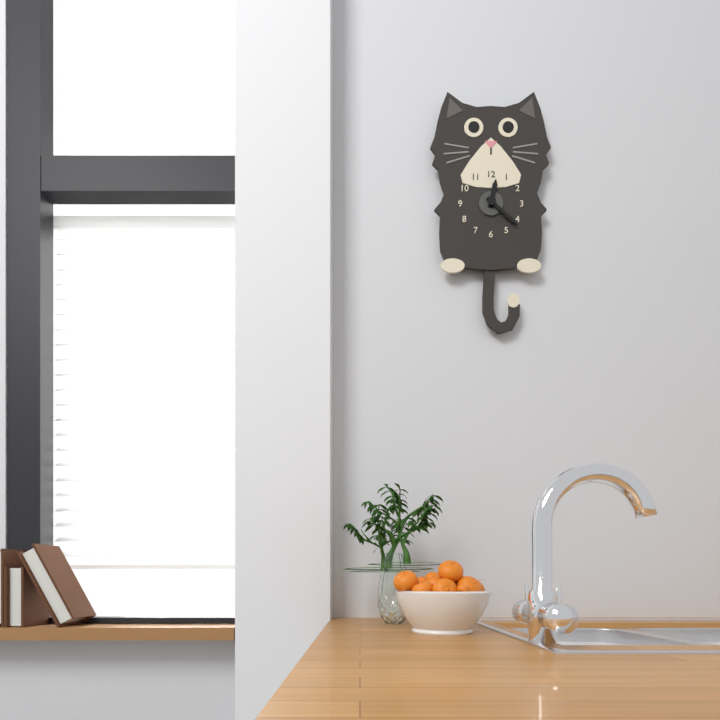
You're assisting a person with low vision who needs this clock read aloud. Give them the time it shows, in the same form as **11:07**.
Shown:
**12:22**
